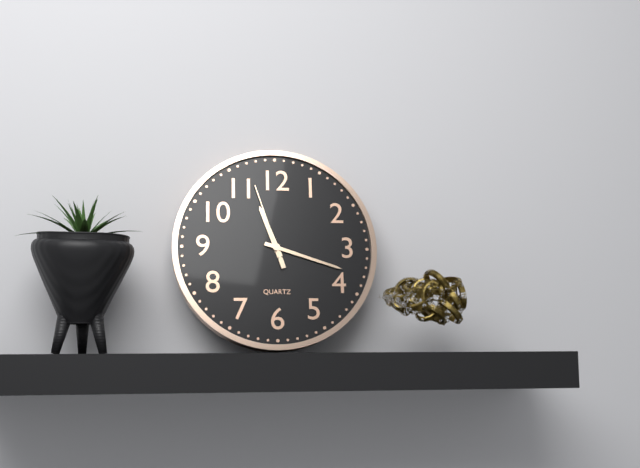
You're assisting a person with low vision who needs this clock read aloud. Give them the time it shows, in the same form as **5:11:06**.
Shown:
**11:18:57**
